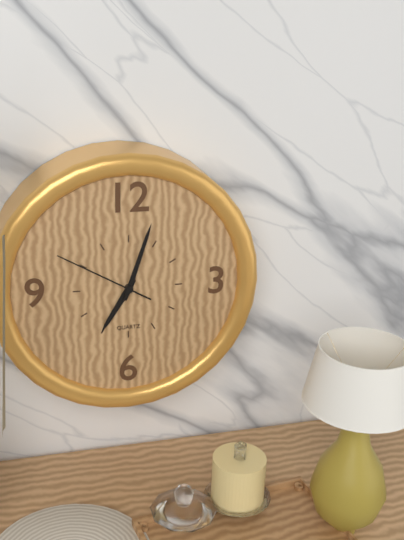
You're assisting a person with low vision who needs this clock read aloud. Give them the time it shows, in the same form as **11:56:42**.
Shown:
**7:03:50**
